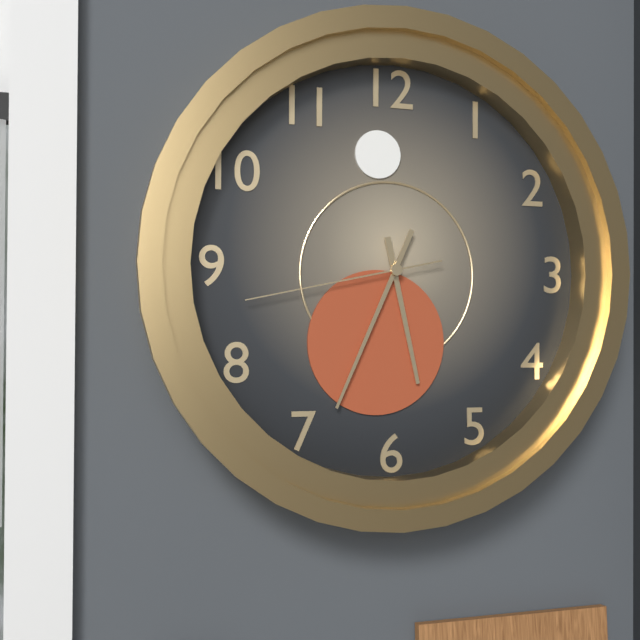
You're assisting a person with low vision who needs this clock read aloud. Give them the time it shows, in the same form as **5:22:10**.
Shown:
**5:34:43**
